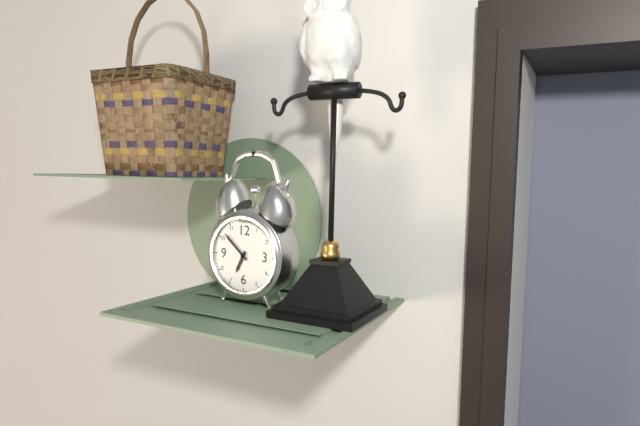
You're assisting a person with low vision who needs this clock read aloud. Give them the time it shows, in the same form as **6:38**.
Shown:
**6:52**
